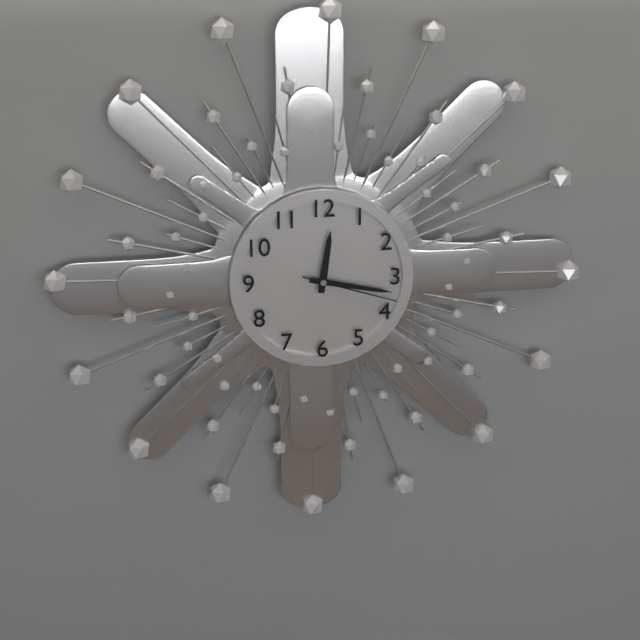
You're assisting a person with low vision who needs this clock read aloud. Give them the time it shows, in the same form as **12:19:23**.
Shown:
**12:17:18**
